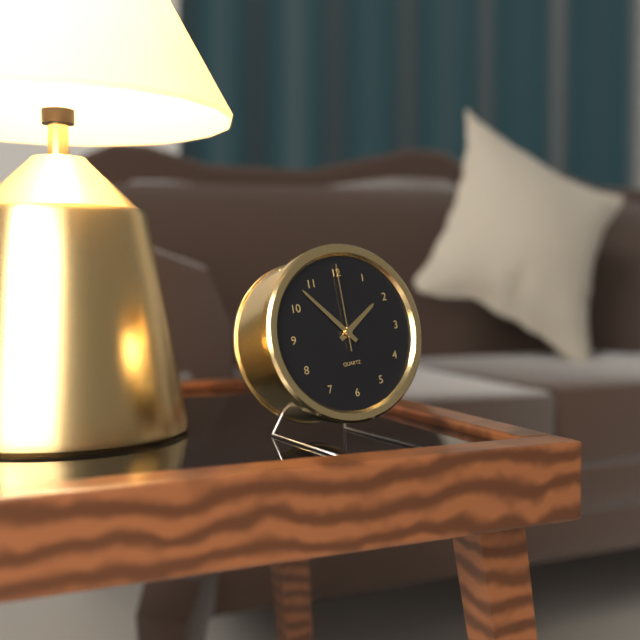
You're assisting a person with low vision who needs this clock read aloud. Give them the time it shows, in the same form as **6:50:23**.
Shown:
**1:53:00**
